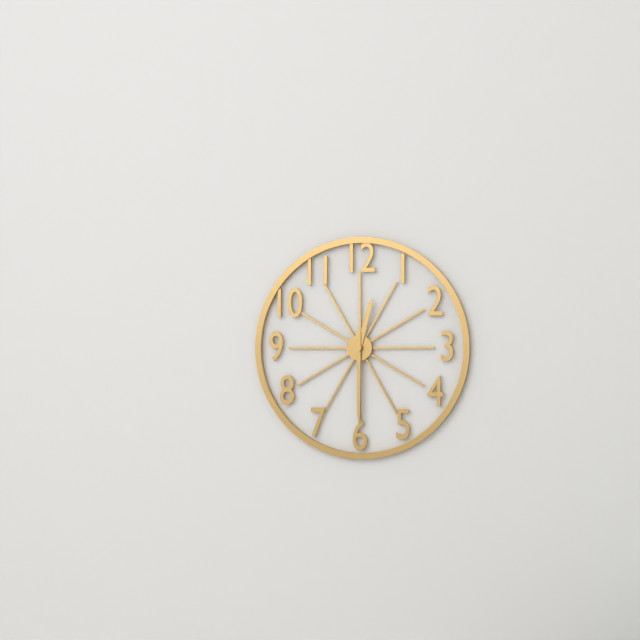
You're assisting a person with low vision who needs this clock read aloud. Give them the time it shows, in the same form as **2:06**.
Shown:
**12:30**
